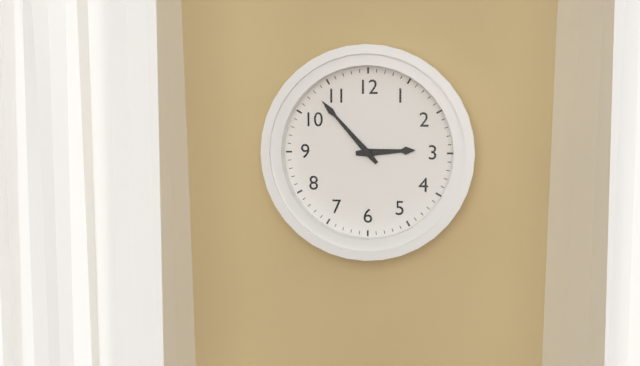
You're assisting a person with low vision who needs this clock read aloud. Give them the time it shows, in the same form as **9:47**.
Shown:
**2:53**
